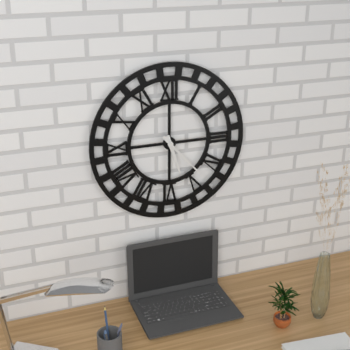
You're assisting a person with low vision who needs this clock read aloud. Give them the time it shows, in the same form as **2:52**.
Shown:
**5:23**
